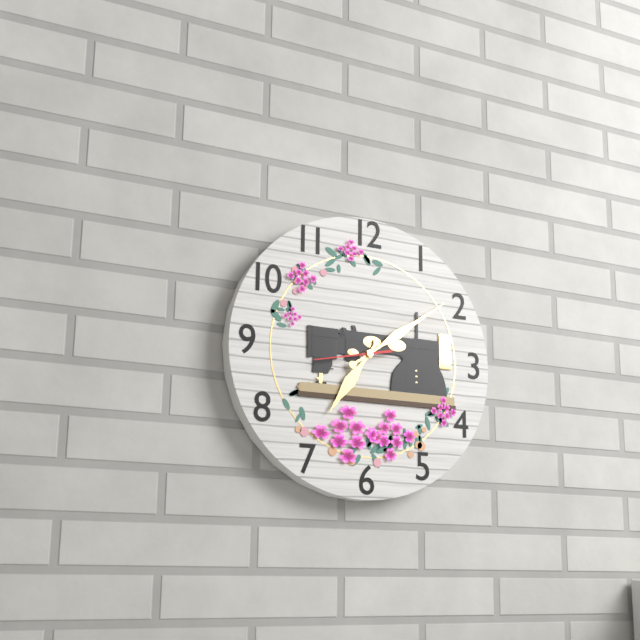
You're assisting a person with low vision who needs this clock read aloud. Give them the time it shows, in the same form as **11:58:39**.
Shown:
**7:09:43**
